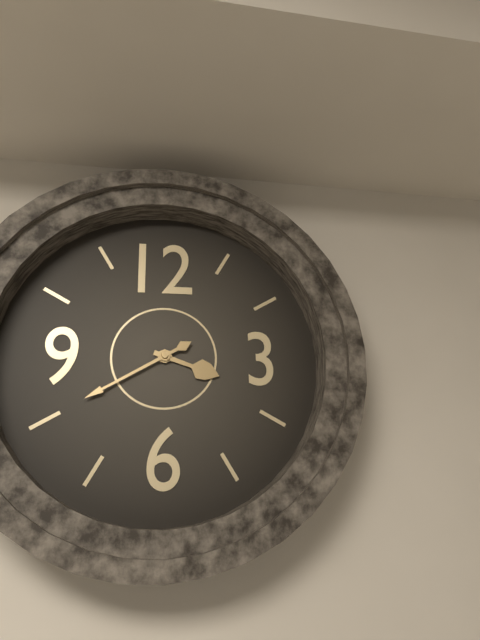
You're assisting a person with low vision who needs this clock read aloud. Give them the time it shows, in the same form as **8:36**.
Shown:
**3:40**
